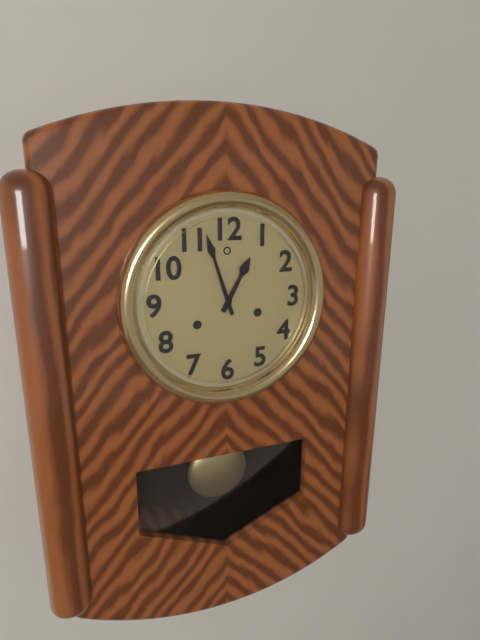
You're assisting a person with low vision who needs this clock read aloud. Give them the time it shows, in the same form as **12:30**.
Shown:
**12:57**
